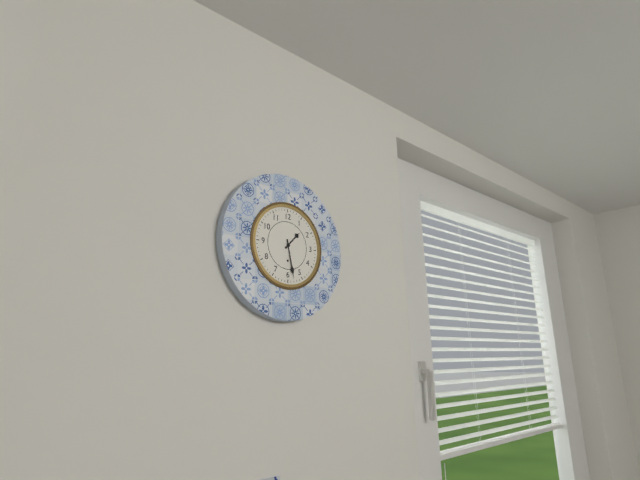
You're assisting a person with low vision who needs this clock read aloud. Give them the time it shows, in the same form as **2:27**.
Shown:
**1:28**
